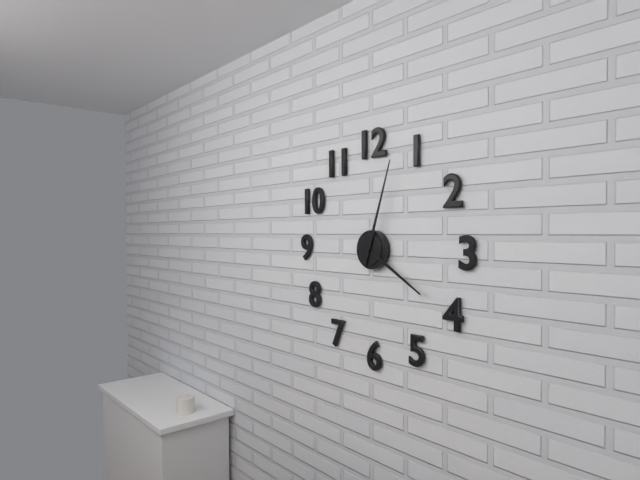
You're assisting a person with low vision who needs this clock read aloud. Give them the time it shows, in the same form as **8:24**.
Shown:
**4:03**
